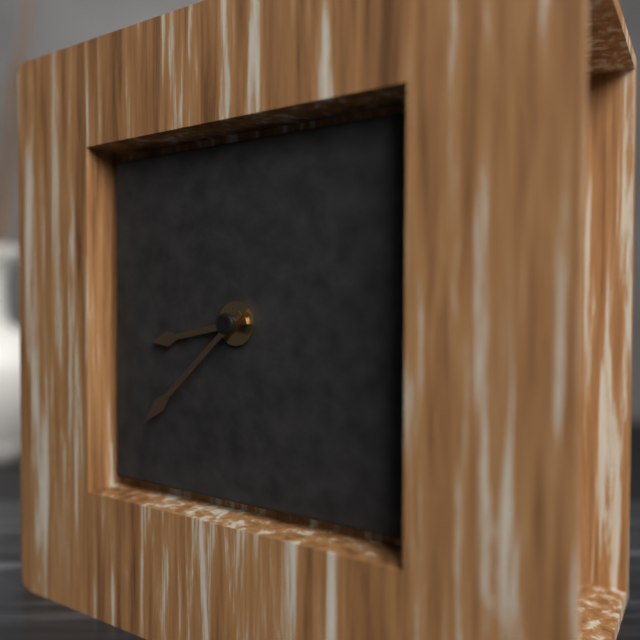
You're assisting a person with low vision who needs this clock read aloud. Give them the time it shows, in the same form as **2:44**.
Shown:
**8:38**
